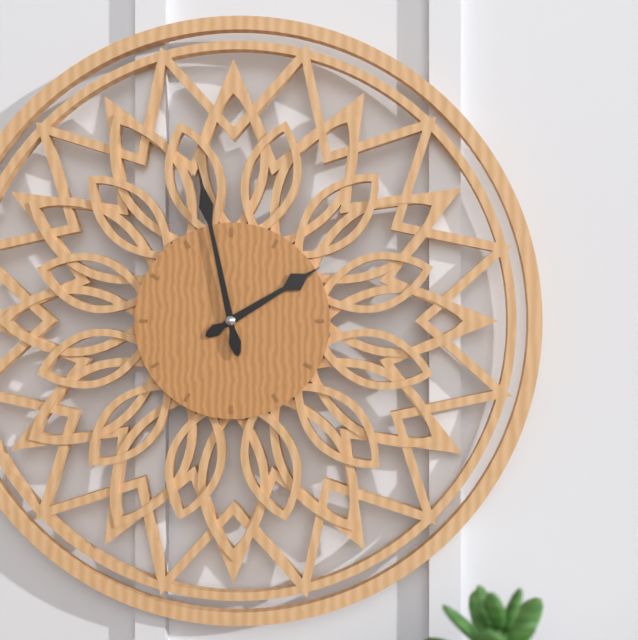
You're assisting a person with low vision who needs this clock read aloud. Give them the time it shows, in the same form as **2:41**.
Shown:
**1:58**
